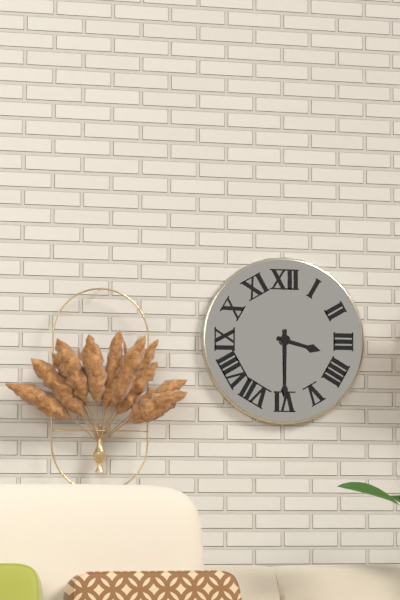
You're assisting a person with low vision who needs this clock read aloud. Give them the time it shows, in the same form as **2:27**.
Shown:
**3:30**
